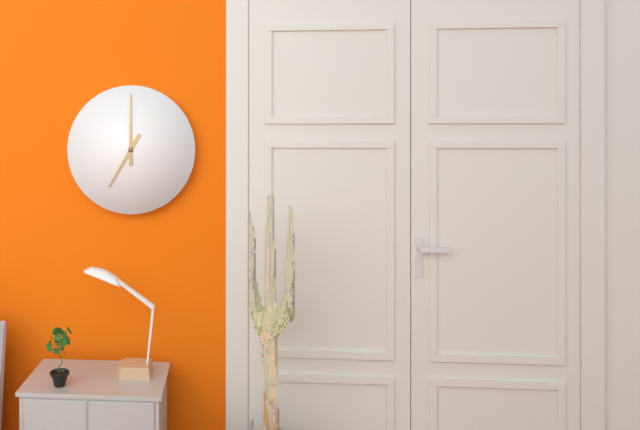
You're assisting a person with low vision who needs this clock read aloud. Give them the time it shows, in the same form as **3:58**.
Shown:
**7:00**
